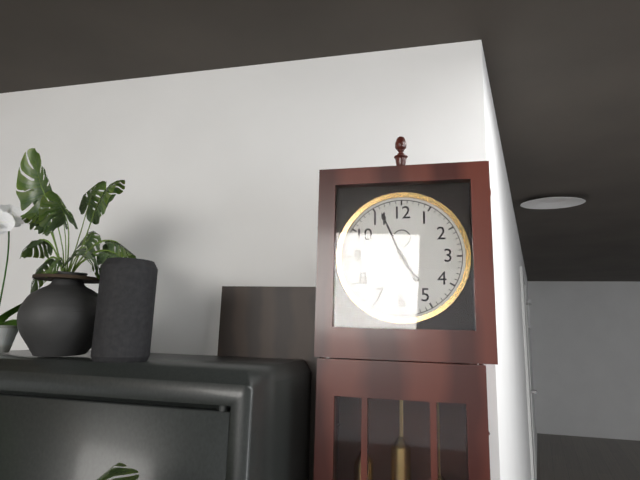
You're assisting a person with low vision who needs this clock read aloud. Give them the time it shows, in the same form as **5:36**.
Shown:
**4:56**
